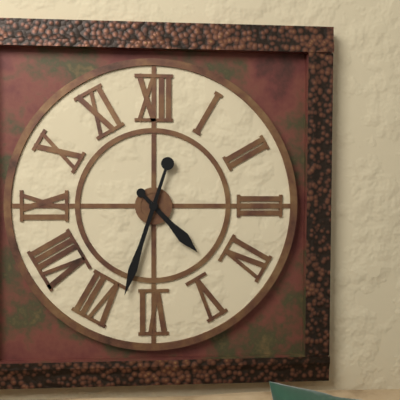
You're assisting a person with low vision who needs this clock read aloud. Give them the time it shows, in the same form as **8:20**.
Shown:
**4:33**
